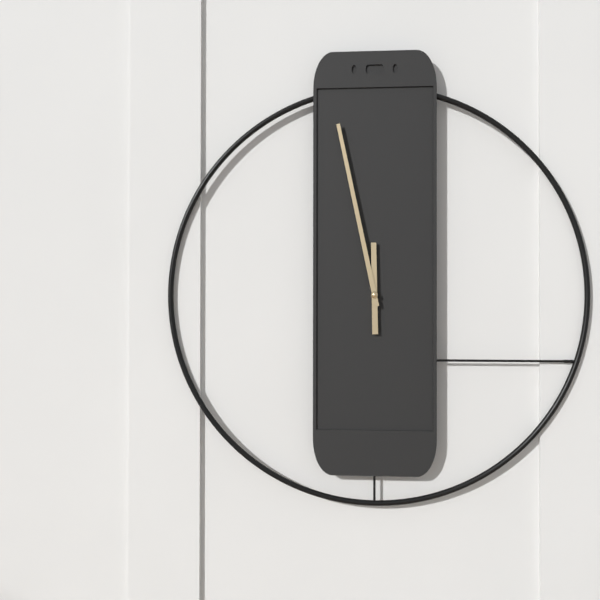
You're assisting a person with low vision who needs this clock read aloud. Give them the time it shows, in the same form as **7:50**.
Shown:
**11:58**
